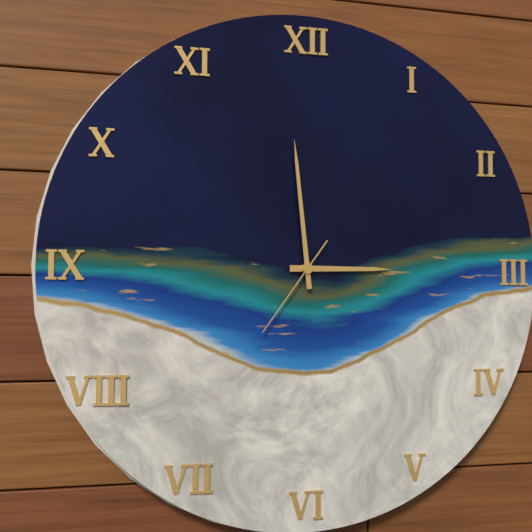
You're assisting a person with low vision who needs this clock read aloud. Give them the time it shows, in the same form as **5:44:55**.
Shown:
**2:59:36**
